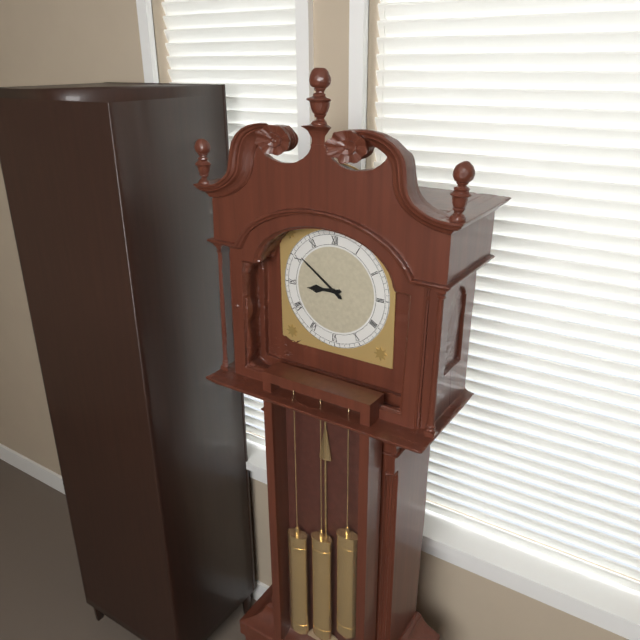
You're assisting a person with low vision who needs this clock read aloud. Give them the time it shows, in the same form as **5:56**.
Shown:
**8:51**
